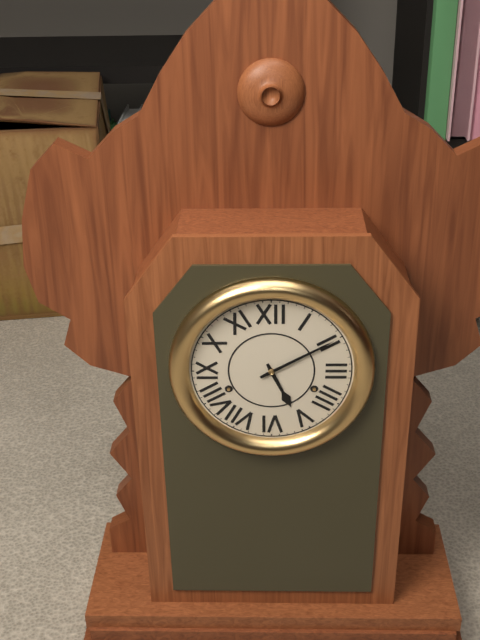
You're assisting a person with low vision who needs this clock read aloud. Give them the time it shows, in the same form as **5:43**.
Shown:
**5:10**
